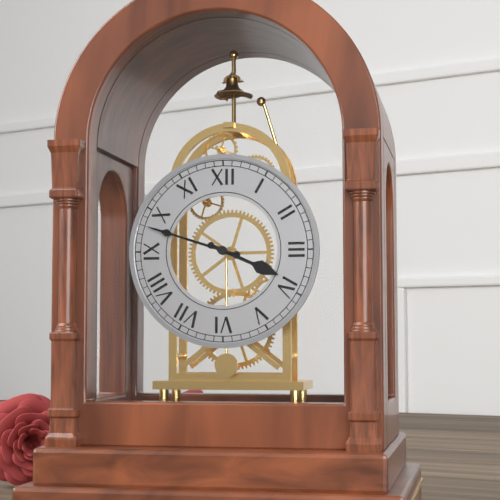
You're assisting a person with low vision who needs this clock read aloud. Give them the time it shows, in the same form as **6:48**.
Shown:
**3:48**
